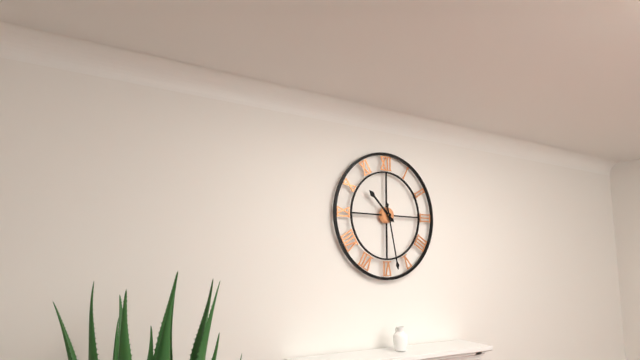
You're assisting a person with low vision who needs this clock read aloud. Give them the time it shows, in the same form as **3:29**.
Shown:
**10:28**
